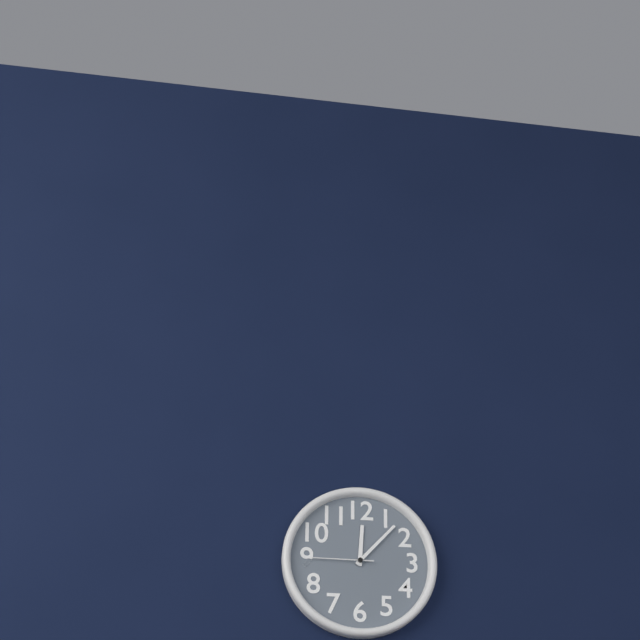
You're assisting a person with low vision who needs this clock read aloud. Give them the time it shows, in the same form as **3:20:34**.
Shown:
**12:07:45**
